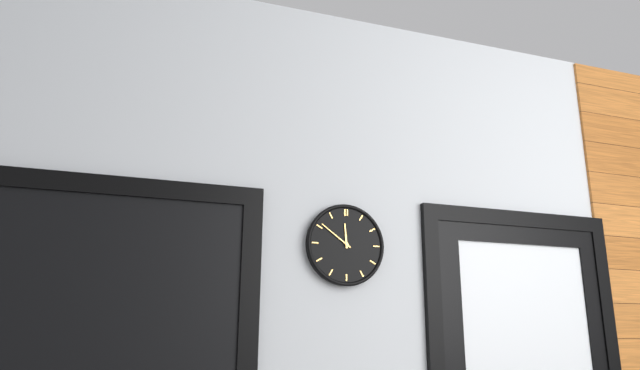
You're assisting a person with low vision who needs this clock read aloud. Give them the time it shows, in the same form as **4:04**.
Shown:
**11:51**
